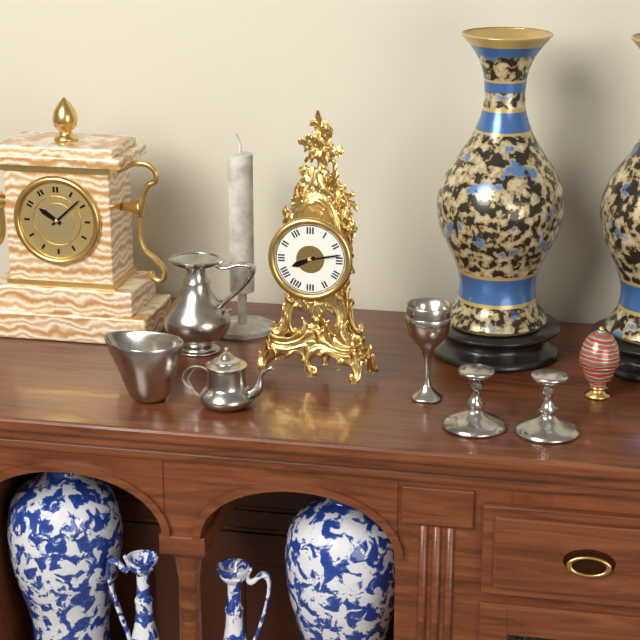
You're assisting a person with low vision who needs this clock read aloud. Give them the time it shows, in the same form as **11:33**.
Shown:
**8:13**
